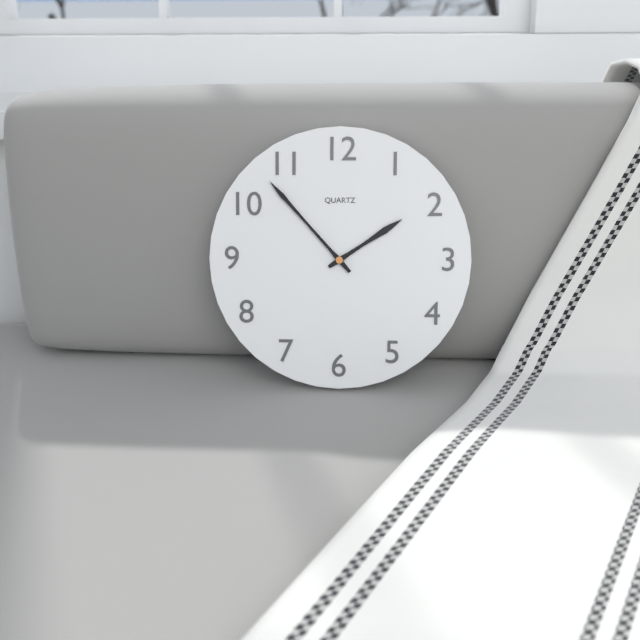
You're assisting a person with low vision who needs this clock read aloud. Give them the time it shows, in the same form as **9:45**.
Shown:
**1:53**
